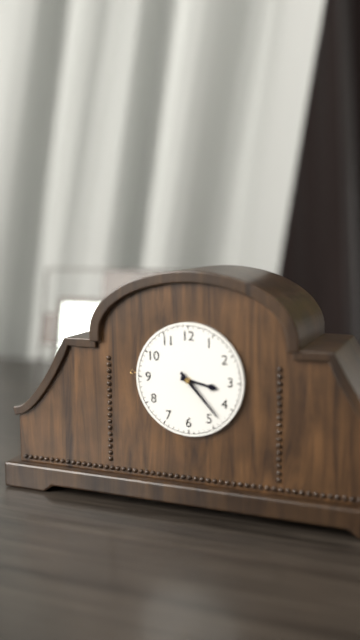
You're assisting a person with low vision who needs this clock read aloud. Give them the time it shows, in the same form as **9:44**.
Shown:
**3:23**
